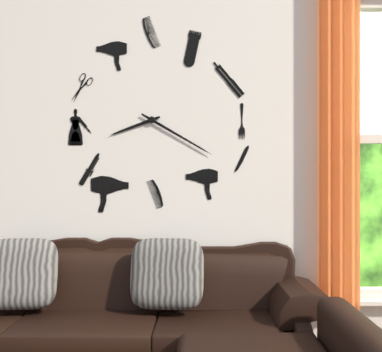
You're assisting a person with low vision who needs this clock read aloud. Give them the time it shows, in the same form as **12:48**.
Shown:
**8:20**
